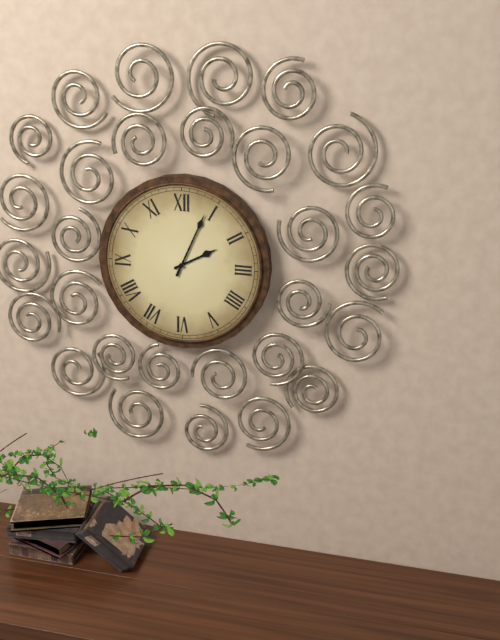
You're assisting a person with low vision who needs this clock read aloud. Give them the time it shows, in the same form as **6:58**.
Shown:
**2:04**
